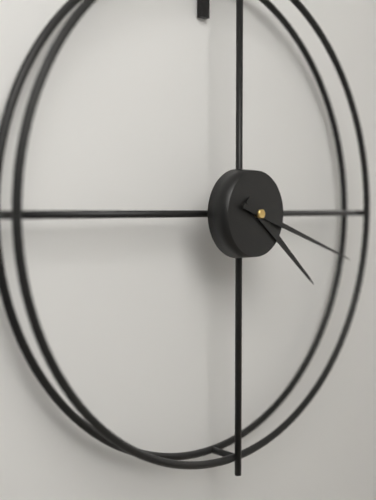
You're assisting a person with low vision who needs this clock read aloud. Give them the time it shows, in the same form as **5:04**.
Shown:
**4:18**
